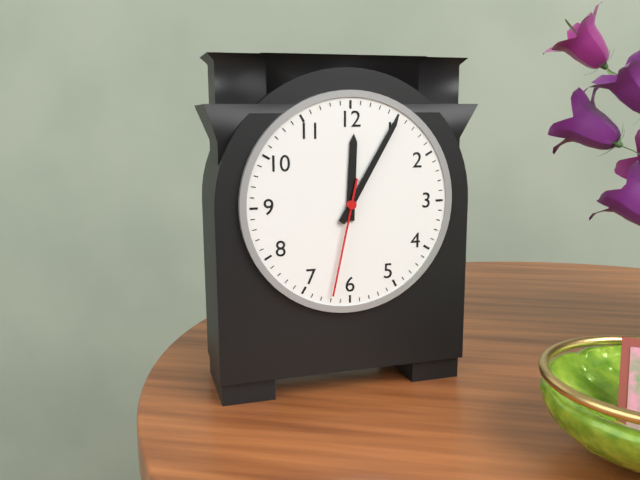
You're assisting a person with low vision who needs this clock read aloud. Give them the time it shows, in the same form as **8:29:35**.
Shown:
**12:05:32**
